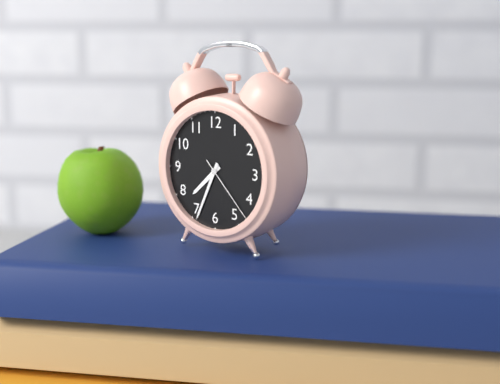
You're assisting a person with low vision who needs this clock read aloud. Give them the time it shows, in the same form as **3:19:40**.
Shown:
**7:34:23**
